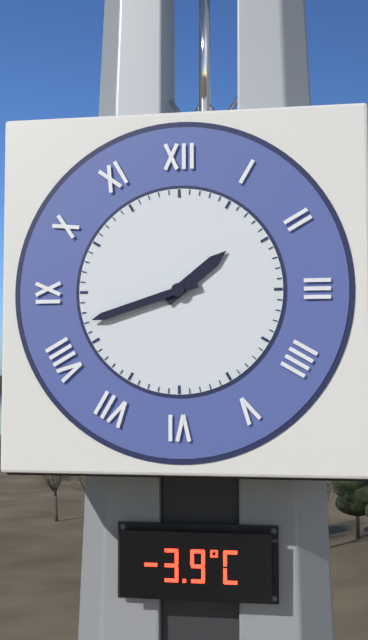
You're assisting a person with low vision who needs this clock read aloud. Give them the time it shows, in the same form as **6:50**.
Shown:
**1:42**
